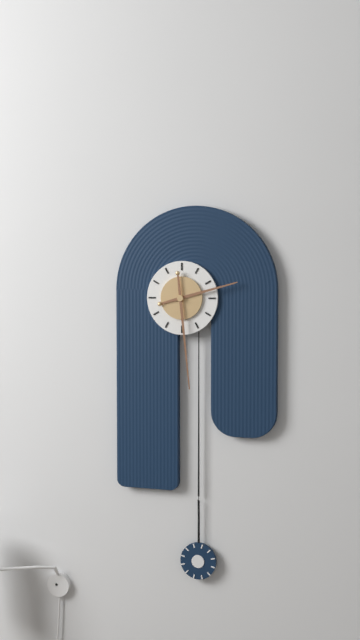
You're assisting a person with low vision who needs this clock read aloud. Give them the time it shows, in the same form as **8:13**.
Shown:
**2:29**
